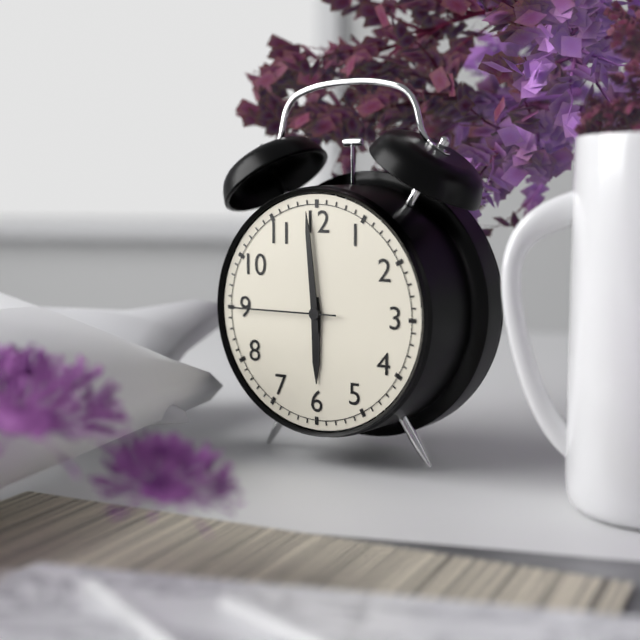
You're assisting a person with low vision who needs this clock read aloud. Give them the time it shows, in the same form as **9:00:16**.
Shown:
**5:59:45**
